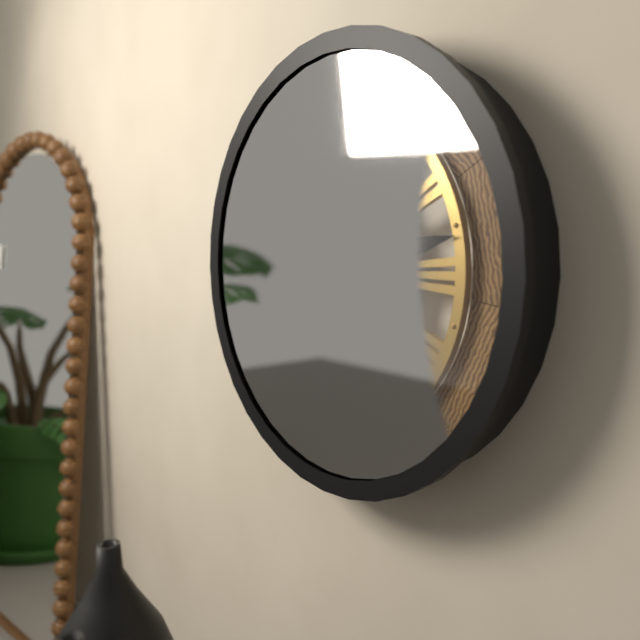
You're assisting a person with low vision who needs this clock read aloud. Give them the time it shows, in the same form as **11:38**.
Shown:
**8:13**
